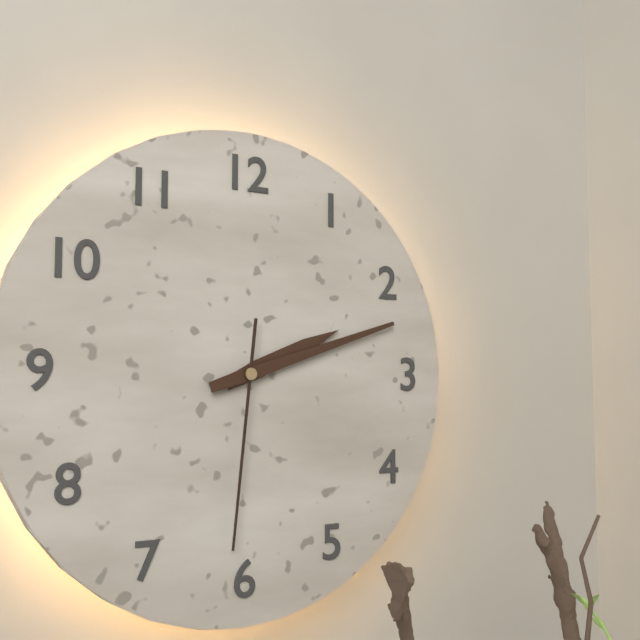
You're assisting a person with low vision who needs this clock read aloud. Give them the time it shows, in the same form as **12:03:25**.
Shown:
**2:12:31**
